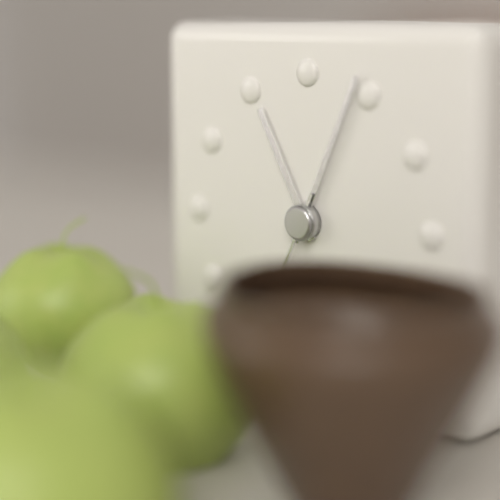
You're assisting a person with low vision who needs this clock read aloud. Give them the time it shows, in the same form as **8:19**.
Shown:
**11:04**
